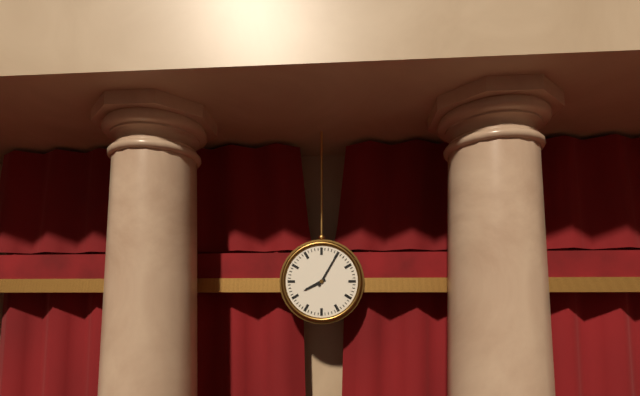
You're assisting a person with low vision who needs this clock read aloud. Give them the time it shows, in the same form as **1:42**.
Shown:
**8:05**
